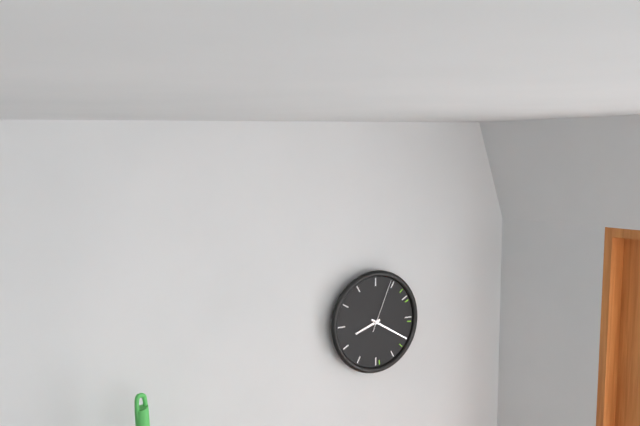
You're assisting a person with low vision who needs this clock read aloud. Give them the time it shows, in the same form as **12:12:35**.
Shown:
**8:20:04**
